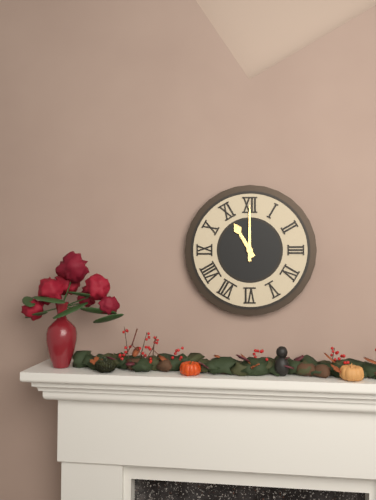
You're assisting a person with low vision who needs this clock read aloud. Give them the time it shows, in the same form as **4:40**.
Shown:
**11:00**
